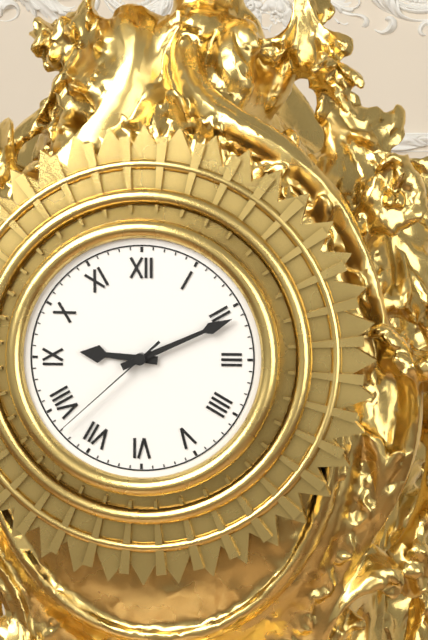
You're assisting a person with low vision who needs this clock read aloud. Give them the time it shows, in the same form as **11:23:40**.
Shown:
**9:11:38**
